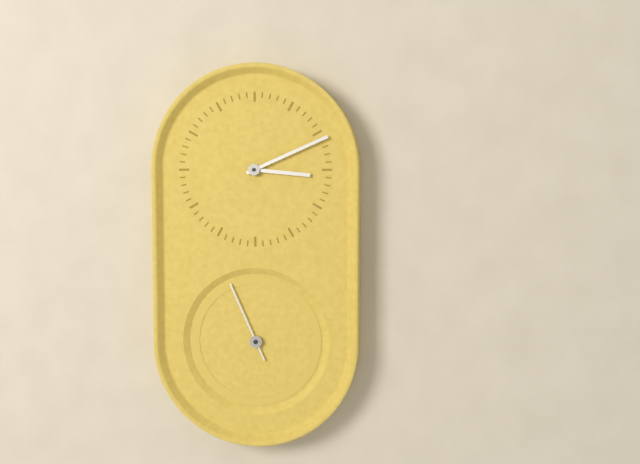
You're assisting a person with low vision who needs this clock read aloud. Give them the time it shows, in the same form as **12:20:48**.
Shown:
**3:11:56**
